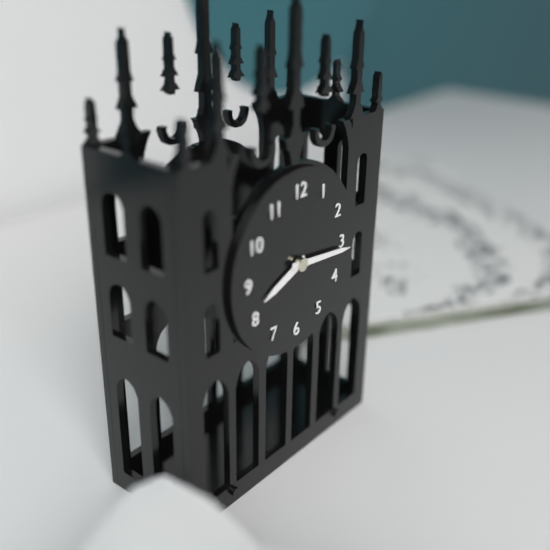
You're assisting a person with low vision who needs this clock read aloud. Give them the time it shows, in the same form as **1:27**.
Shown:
**8:16**
